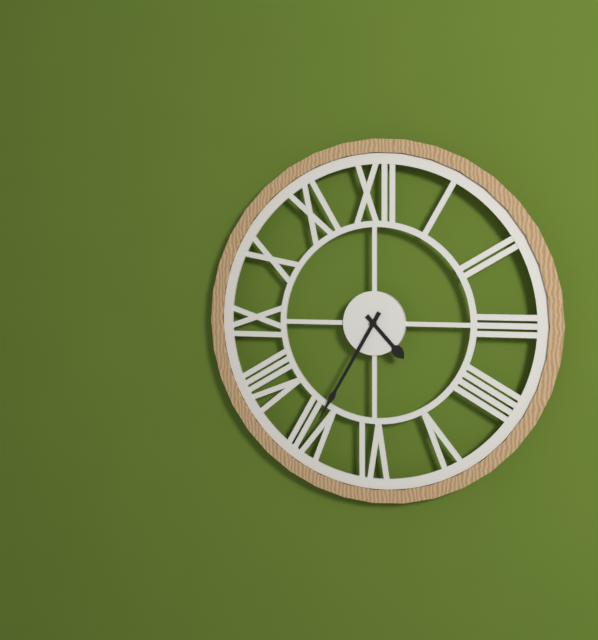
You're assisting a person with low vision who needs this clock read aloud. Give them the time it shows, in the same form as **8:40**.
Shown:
**4:35**
